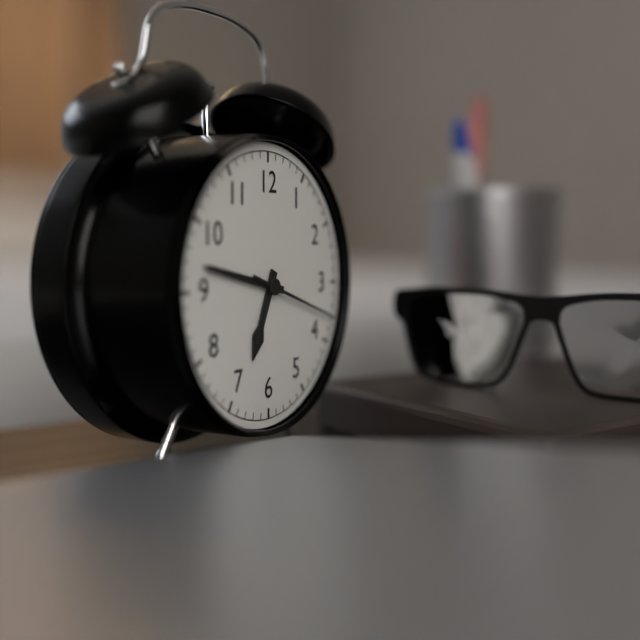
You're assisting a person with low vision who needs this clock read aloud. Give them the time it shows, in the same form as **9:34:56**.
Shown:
**6:47:18**
